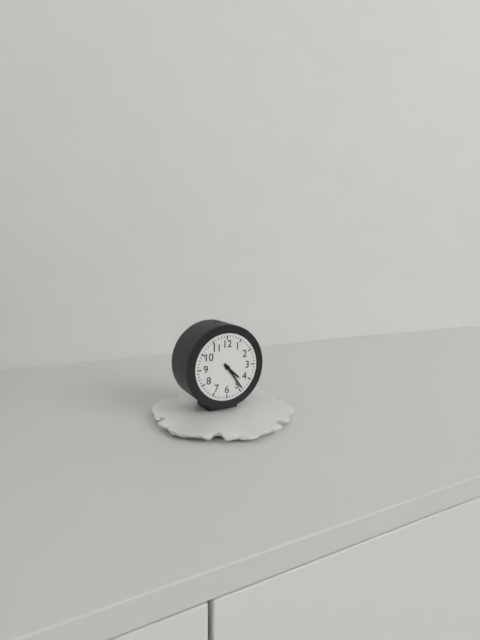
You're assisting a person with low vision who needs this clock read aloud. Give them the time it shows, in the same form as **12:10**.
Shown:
**4:24**
